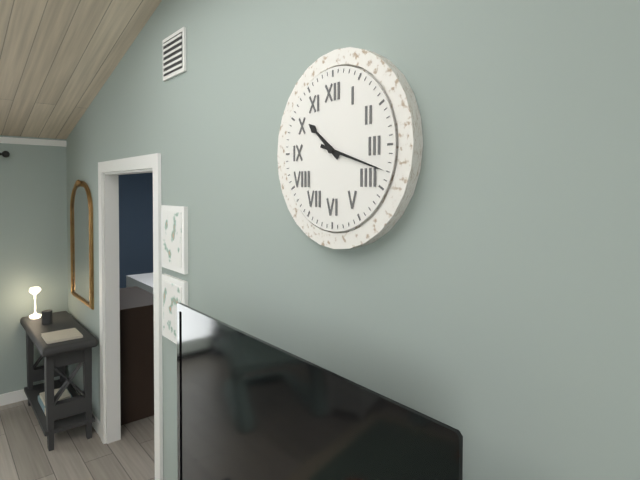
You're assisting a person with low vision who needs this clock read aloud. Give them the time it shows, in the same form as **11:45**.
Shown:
**10:18**
